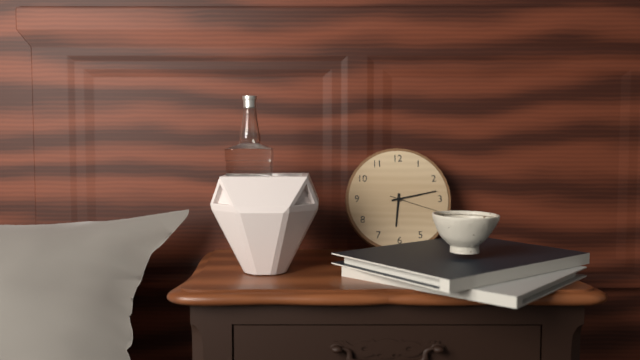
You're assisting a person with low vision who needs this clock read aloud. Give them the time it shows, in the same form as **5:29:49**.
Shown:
**6:13:18**
